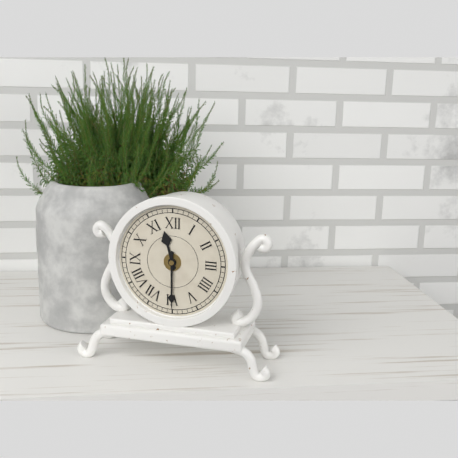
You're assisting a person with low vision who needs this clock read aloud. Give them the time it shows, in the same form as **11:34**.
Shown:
**11:30**
